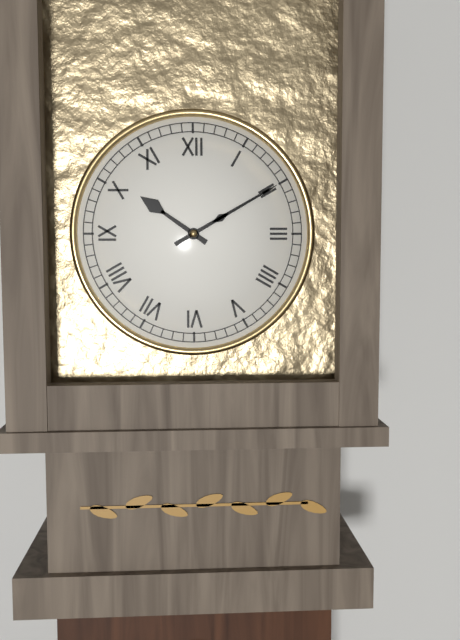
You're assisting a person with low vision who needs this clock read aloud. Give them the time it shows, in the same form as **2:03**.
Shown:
**10:10**
